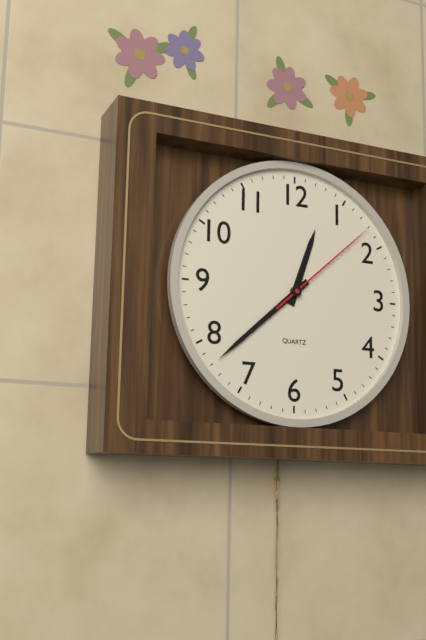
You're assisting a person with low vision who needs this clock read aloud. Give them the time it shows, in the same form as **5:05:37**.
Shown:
**12:38:08**
